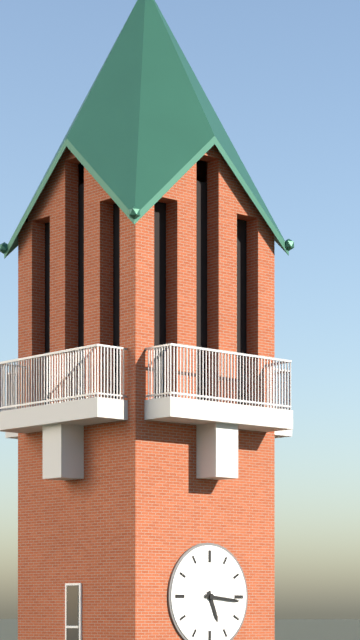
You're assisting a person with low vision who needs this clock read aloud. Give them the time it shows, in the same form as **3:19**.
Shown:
**5:16**
